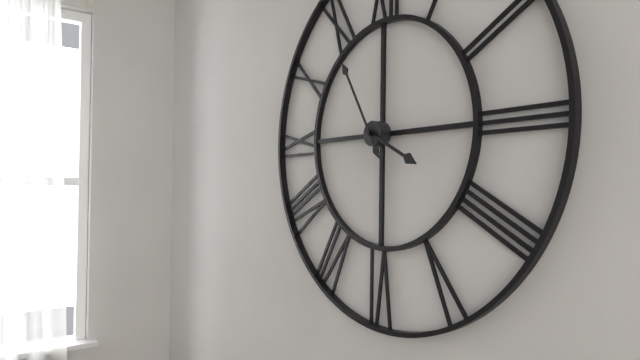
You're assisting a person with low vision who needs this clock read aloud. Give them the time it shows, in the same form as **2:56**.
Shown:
**3:55**
